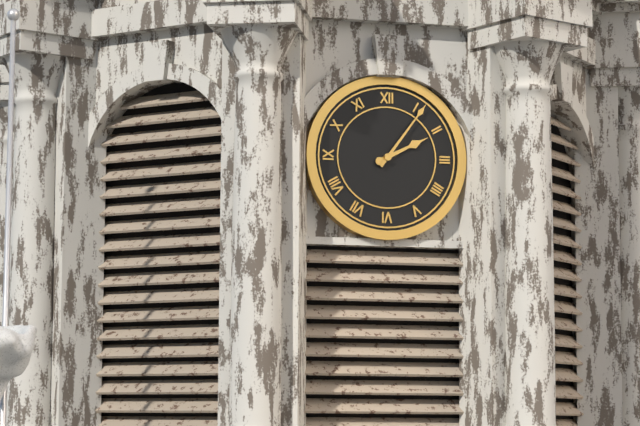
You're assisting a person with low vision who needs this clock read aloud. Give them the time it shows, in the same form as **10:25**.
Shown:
**2:06**
